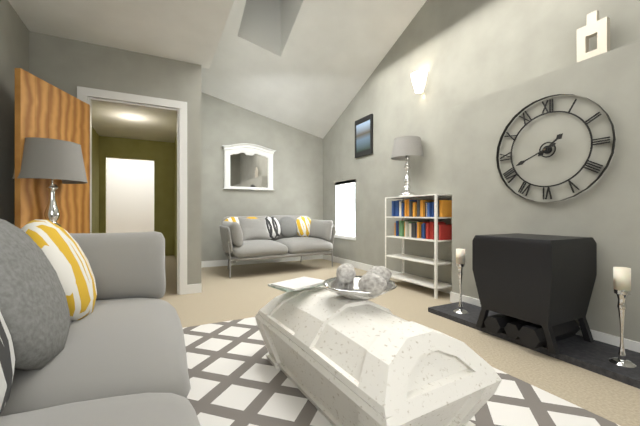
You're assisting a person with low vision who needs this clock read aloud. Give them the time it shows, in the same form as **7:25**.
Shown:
**1:41**
